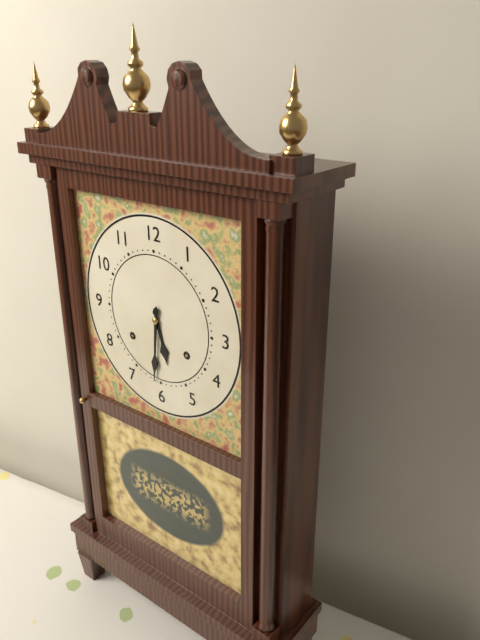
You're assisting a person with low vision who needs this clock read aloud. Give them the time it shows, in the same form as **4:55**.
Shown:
**5:31**
